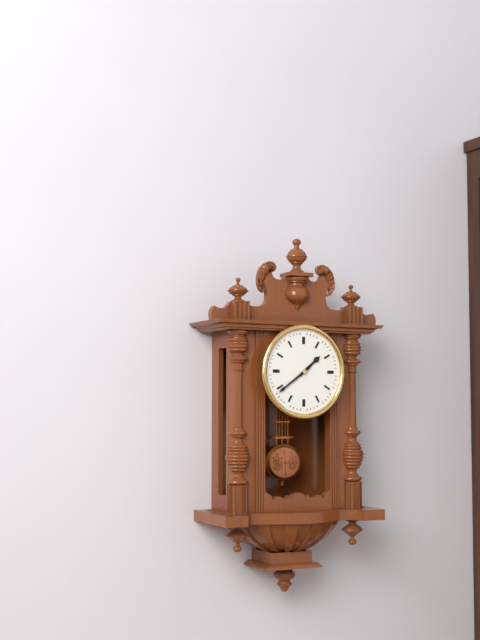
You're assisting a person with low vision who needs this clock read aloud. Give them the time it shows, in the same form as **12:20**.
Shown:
**1:39**
